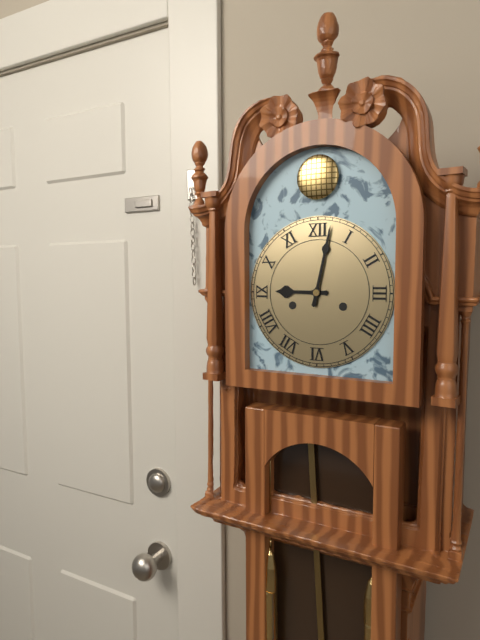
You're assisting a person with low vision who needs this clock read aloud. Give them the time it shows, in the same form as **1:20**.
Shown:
**9:02**
